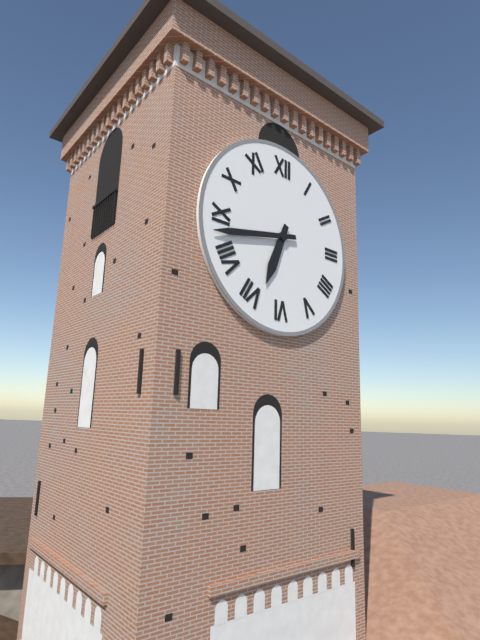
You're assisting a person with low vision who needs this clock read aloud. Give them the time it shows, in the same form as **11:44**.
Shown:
**6:43**
